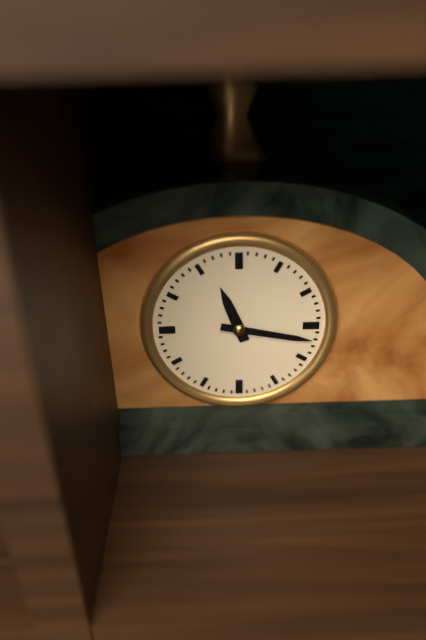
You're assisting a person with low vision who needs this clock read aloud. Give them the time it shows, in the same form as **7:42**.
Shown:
**11:17**
